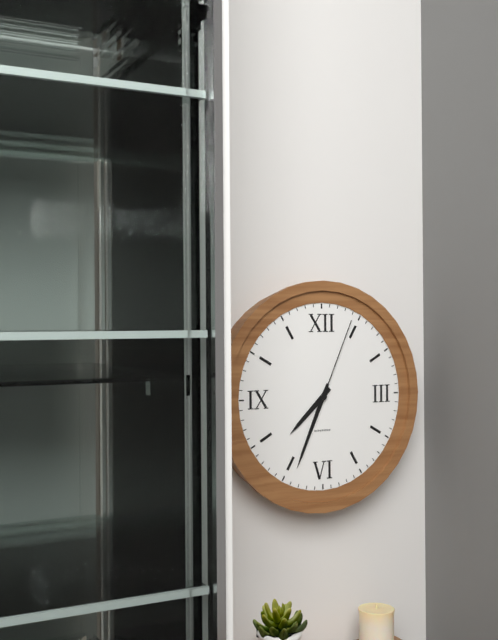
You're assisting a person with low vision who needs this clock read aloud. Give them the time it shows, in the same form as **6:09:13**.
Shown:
**7:34:04**
